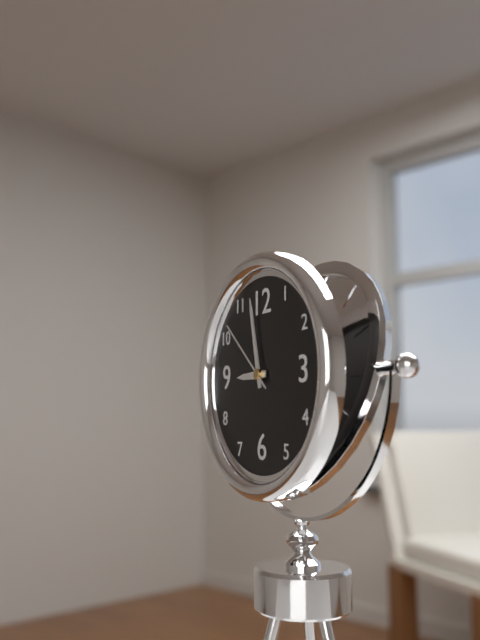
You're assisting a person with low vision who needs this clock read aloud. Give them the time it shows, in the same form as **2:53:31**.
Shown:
**8:58:52**
